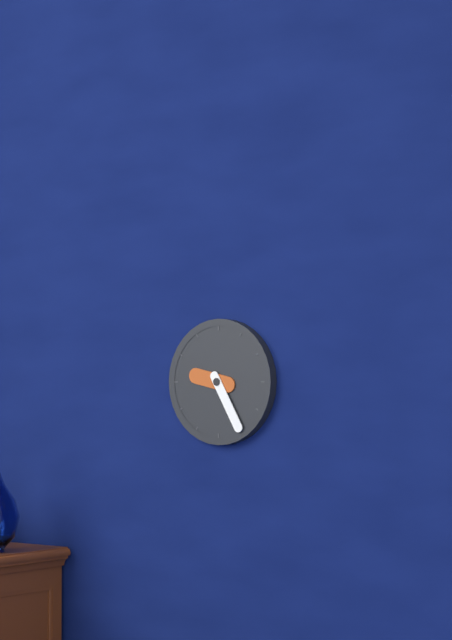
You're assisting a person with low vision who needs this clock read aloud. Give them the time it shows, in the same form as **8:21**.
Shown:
**9:25**
